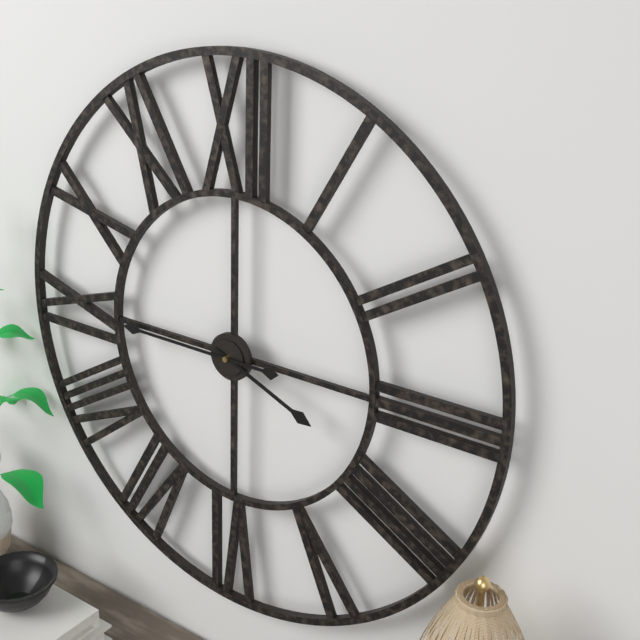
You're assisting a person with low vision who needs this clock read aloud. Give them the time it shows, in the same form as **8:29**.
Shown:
**3:45**
